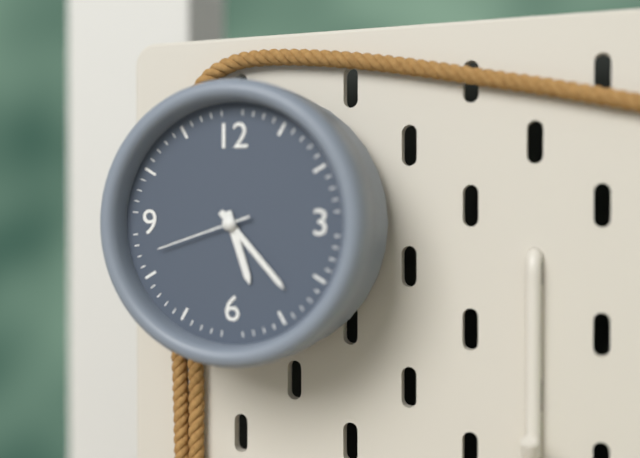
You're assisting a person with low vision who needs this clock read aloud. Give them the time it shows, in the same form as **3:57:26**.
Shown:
**5:23:42**
